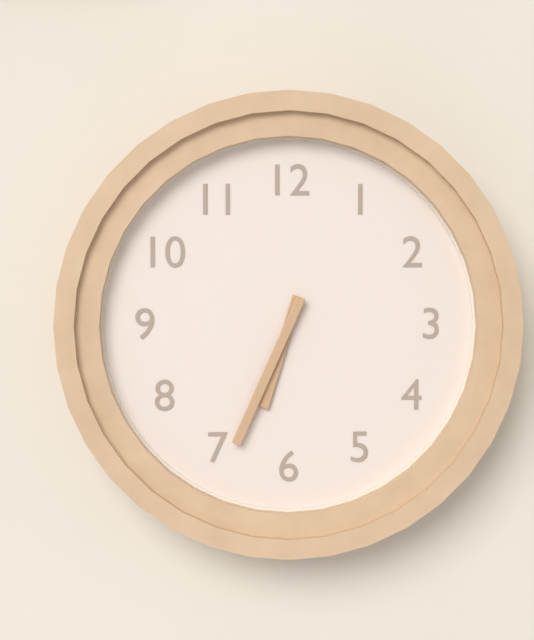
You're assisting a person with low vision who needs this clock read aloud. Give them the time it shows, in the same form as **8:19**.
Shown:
**6:34**
